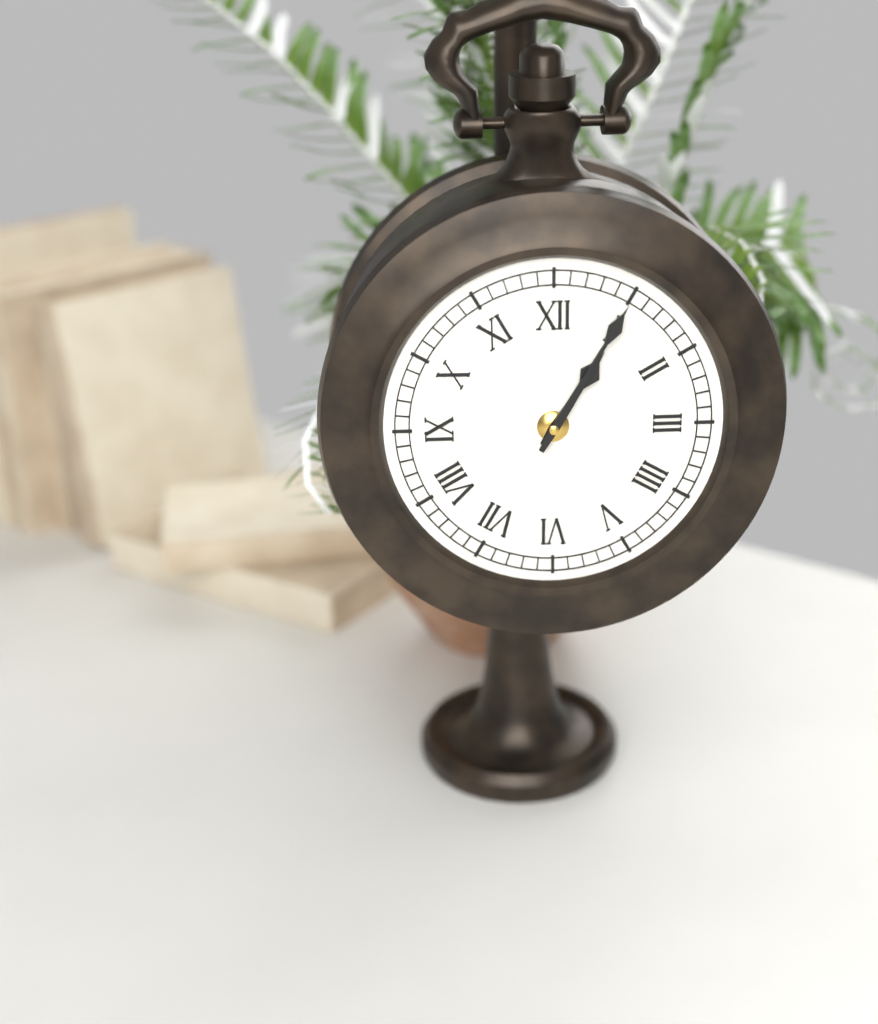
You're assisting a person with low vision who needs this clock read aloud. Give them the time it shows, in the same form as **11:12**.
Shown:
**1:05**
